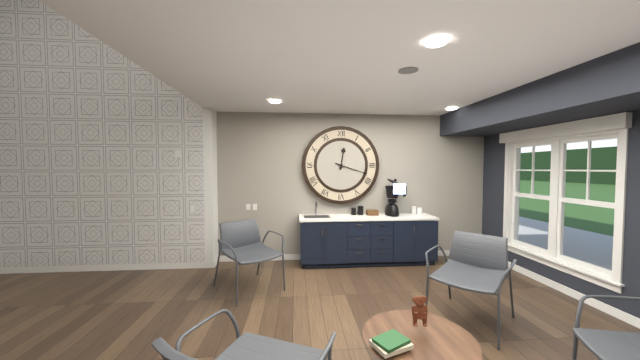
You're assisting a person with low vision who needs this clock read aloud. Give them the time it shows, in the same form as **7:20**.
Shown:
**12:18**
